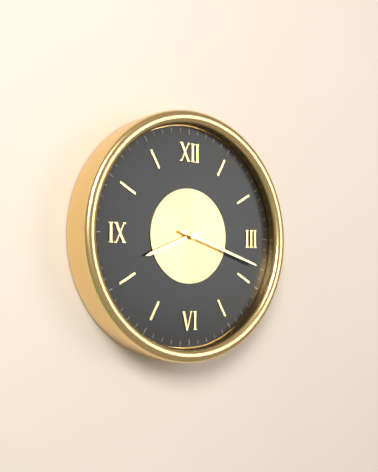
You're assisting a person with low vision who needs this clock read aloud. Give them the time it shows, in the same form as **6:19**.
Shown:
**8:18**
